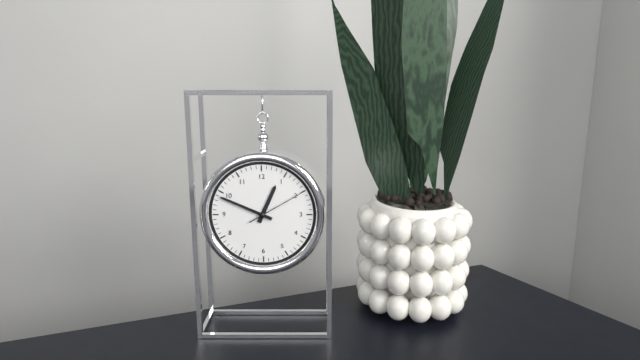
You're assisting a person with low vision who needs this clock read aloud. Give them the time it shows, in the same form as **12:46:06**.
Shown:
**12:49:10**
